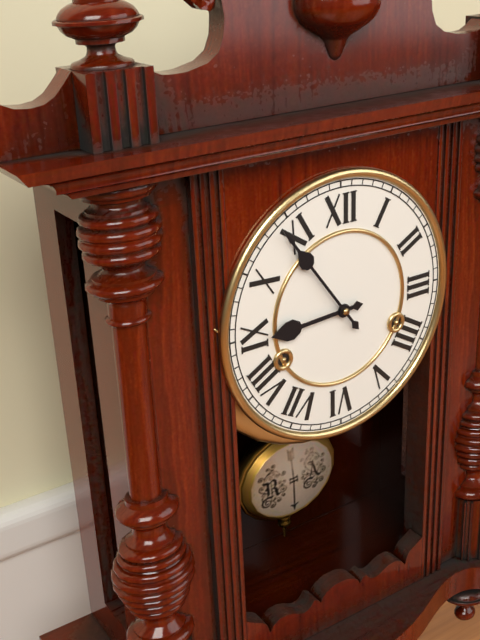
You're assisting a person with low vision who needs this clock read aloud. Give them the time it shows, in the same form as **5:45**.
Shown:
**8:54**
